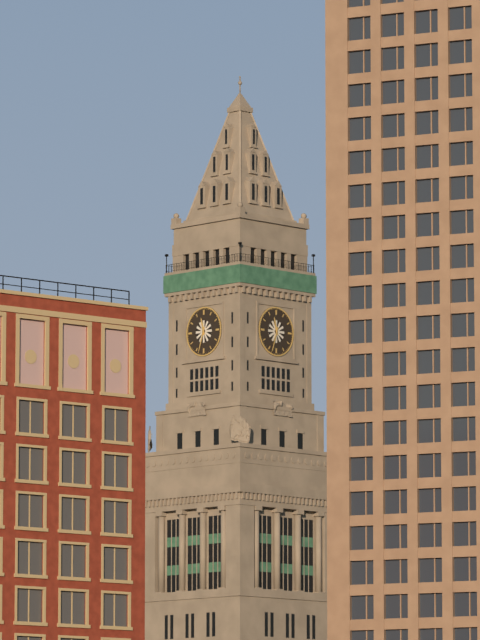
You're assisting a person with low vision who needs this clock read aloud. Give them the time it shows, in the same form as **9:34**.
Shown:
**11:33**
